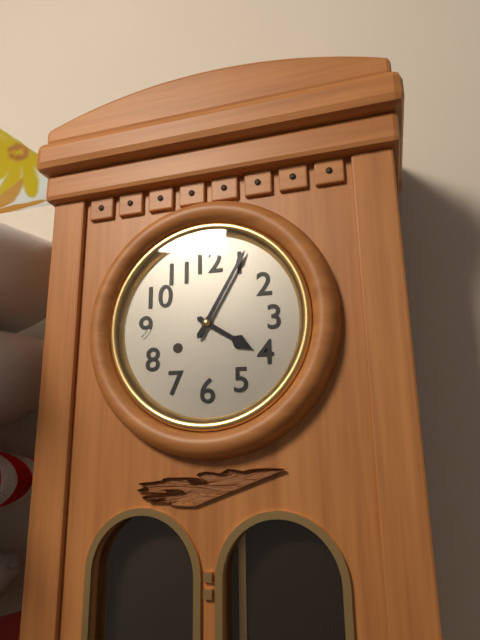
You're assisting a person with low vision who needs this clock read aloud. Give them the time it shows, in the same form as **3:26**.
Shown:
**4:05**
